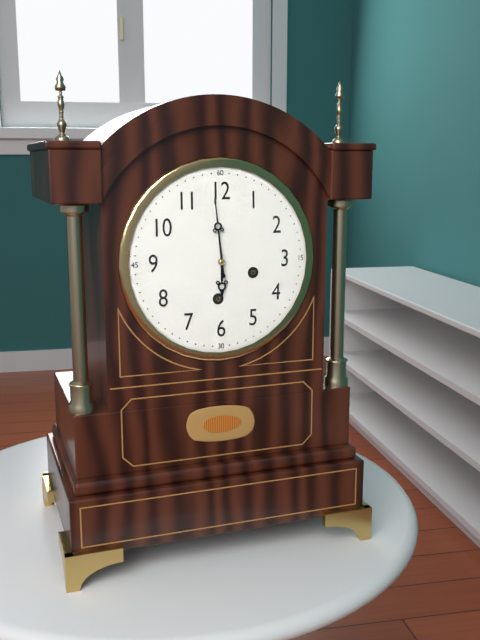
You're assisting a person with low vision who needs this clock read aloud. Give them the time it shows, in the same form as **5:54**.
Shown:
**5:59**
